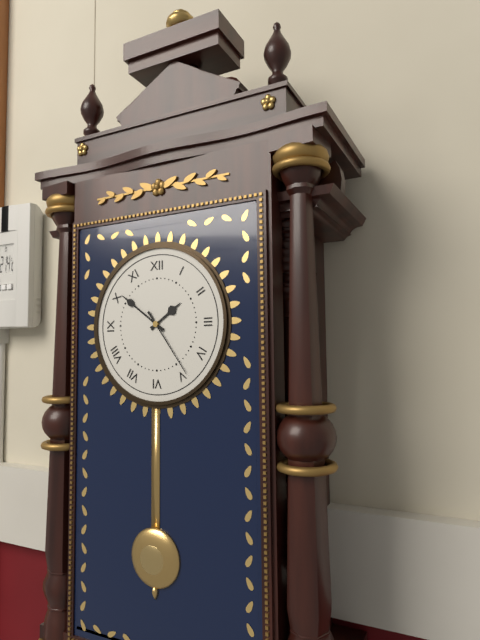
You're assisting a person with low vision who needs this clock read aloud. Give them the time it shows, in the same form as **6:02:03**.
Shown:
**1:51:24**
